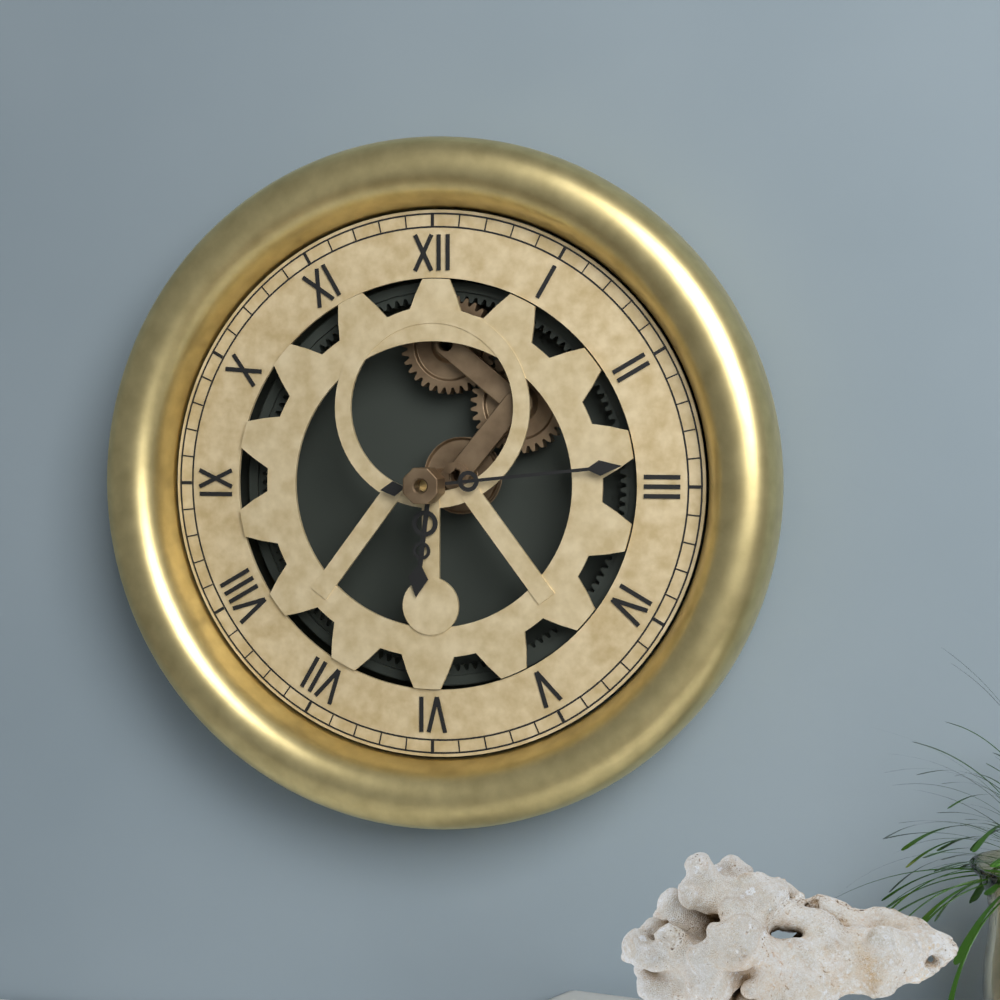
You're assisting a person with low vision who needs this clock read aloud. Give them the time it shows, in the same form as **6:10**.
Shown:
**6:14**
